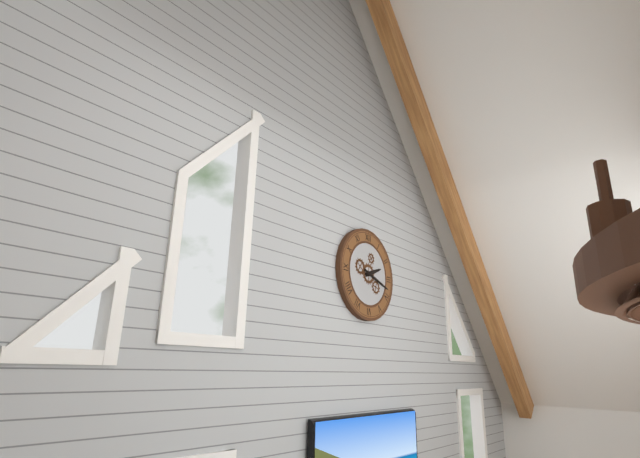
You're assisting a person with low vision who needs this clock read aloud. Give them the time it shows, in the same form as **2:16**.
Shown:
**2:18**
